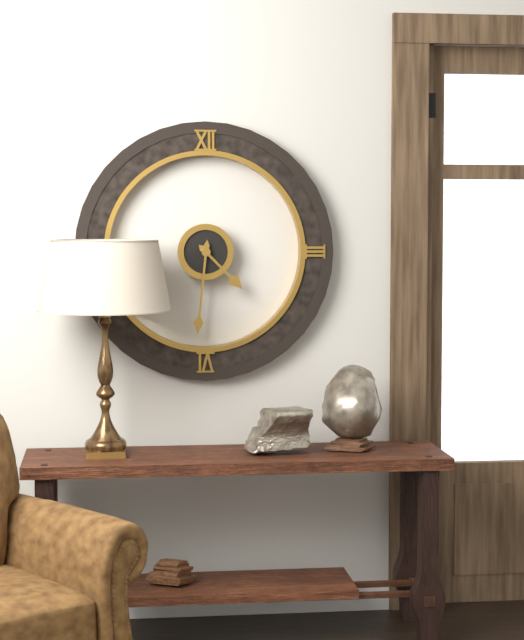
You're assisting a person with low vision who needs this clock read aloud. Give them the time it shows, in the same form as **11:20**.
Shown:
**4:31**
